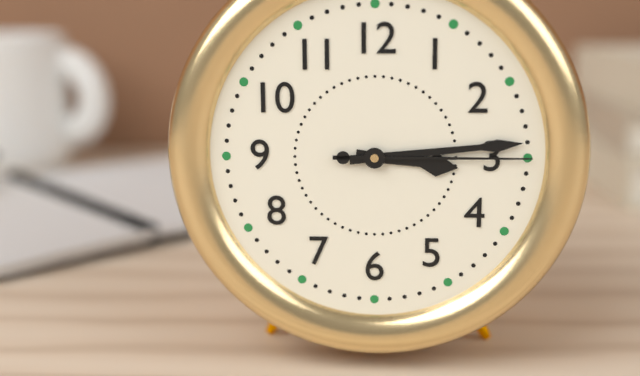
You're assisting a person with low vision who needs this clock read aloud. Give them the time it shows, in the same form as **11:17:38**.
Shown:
**3:14:15**
